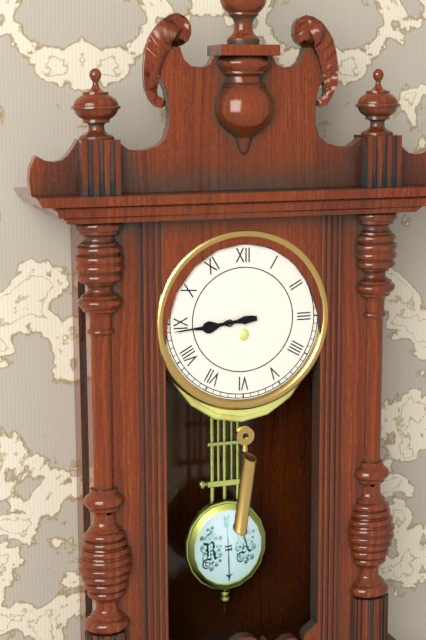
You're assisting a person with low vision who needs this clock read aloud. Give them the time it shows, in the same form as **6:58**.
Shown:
**8:44**
